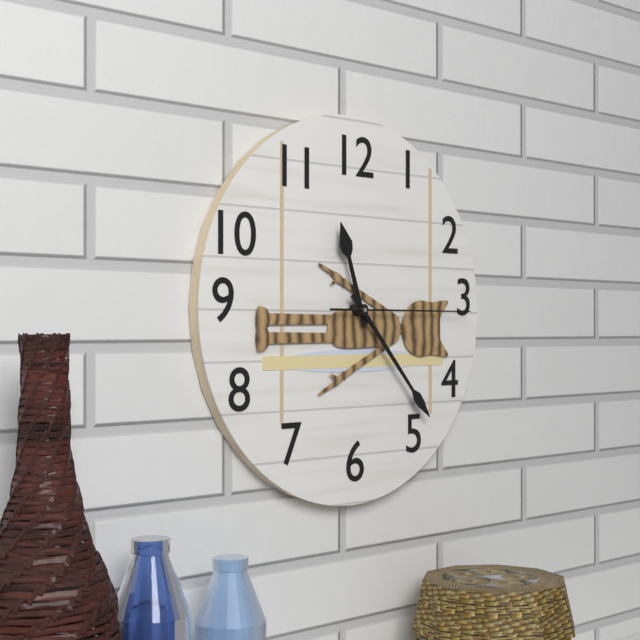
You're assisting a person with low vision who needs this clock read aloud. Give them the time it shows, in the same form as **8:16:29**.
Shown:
**11:23:15**
